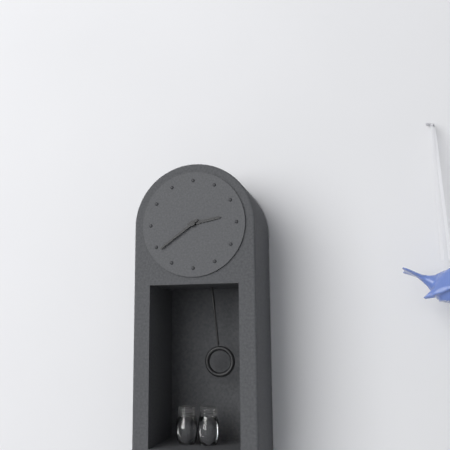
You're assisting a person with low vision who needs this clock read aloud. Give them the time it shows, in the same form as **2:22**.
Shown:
**2:39**
